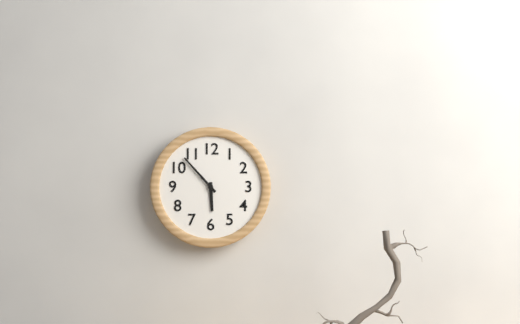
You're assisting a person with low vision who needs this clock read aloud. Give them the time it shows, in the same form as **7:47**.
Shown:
**5:53**
